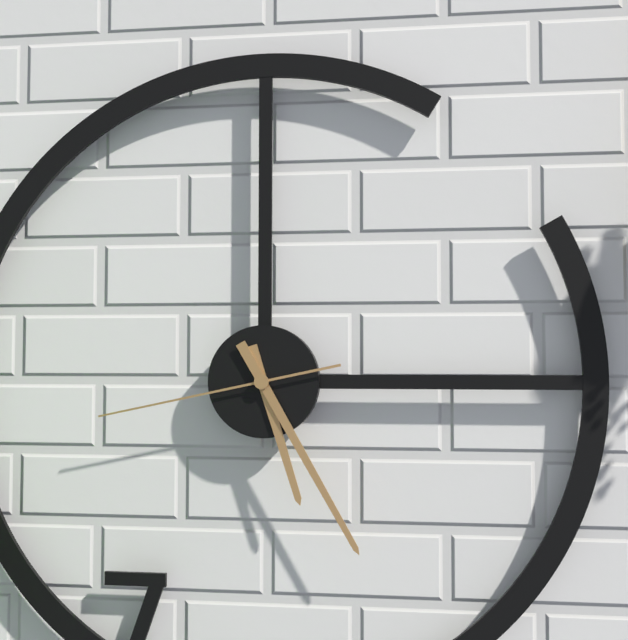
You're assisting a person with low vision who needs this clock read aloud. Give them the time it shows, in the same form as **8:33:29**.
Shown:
**5:25:43**
